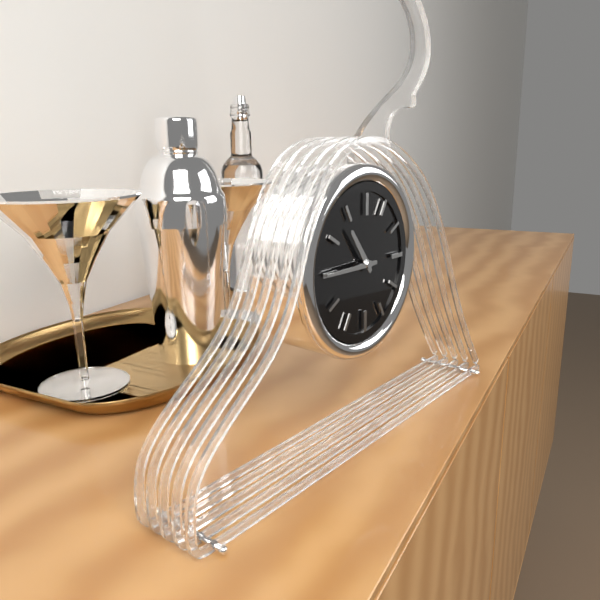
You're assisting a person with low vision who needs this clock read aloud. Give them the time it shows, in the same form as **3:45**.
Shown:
**10:45**
